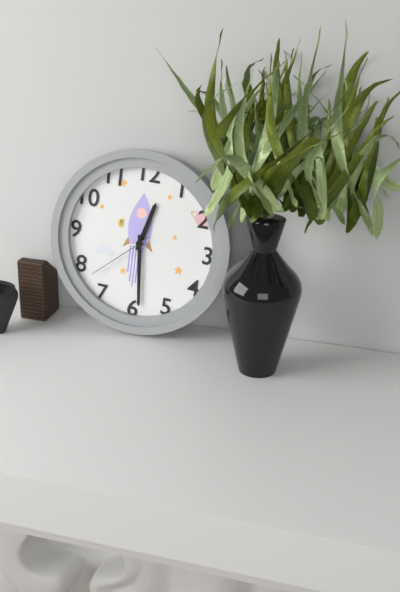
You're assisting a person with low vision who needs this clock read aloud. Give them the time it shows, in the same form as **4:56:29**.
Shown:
**12:29:38**
